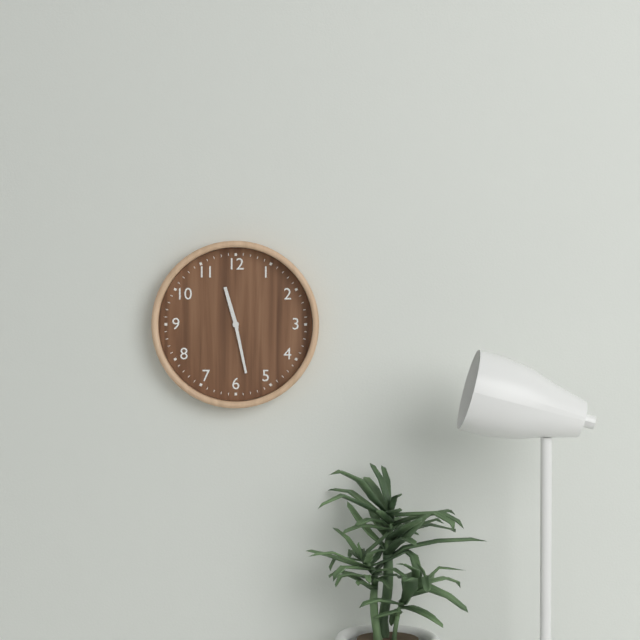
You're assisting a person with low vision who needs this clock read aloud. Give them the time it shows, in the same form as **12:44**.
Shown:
**11:28**
